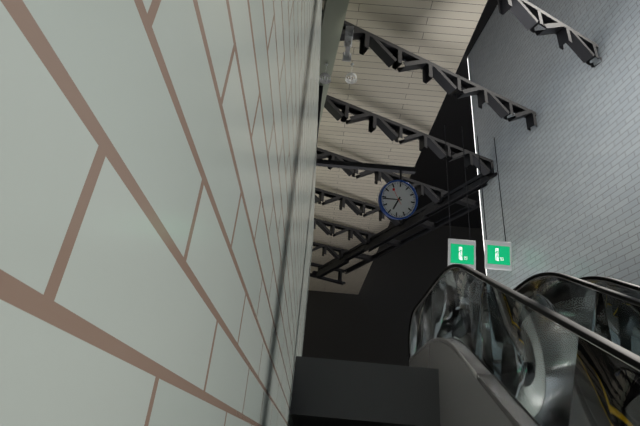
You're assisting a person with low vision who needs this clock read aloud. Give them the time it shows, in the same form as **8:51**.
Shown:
**6:44**
